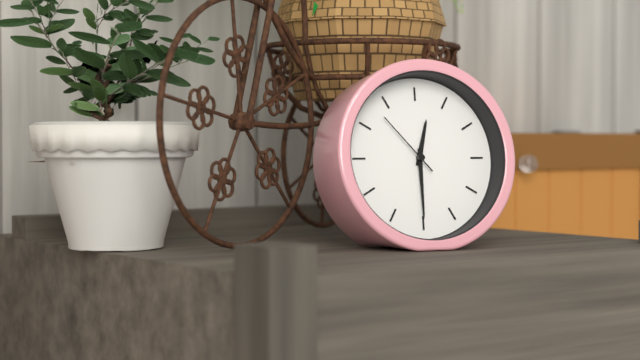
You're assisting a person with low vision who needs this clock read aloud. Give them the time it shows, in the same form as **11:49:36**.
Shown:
**12:30:53**
